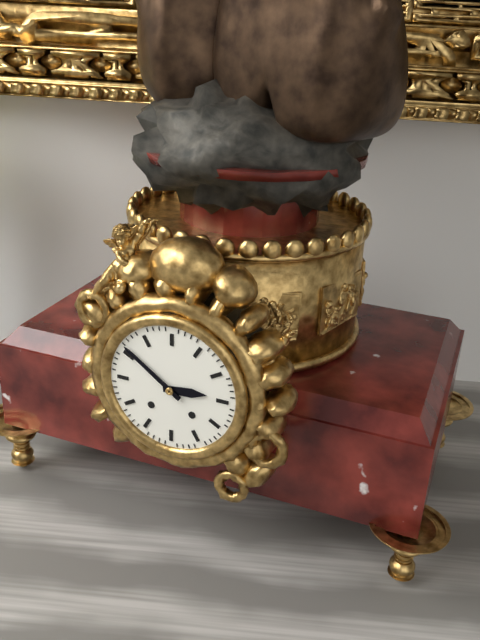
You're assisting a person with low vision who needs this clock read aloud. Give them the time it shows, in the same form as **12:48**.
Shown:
**2:51**
